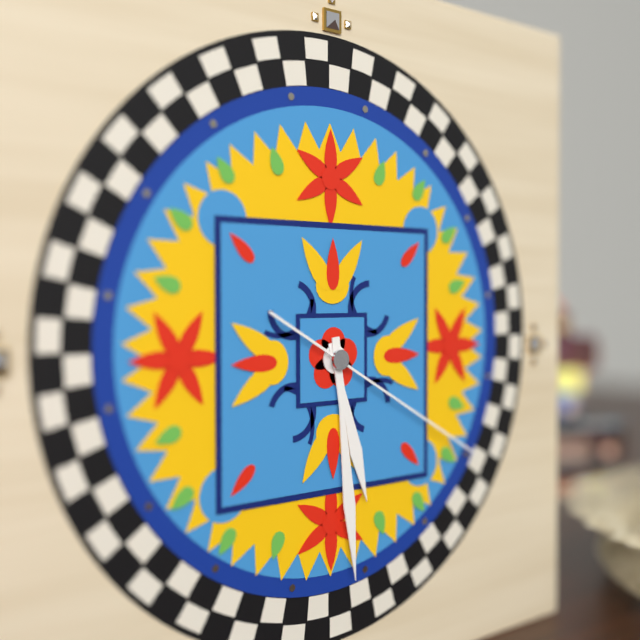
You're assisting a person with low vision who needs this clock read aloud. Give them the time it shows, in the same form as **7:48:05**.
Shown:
**5:29:20**
